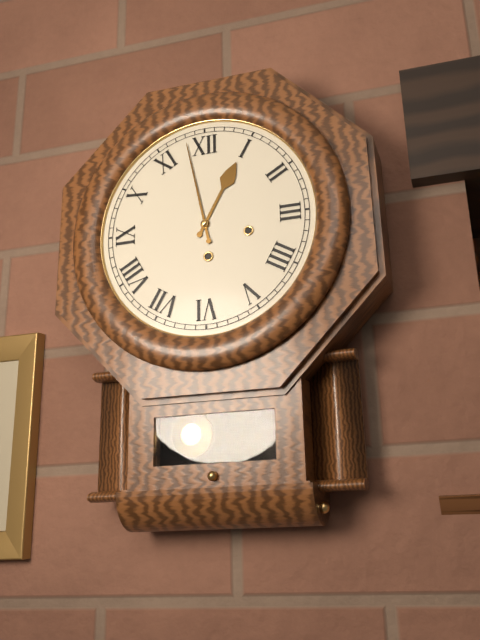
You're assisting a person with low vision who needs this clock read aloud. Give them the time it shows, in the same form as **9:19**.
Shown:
**12:58**
